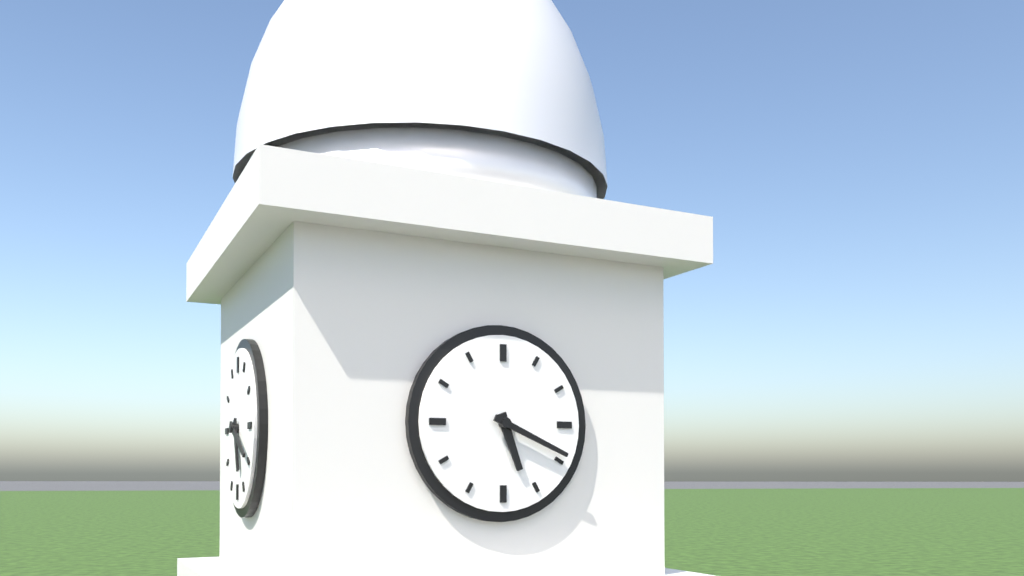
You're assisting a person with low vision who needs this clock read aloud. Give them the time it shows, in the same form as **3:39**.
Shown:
**5:19**
